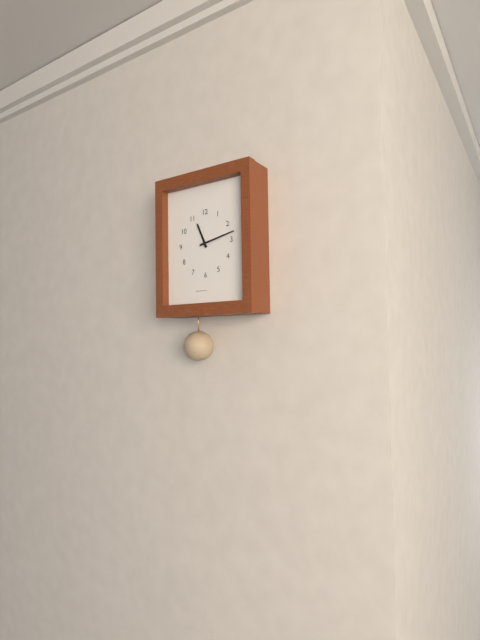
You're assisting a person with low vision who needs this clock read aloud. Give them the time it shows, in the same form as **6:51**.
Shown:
**11:13**
